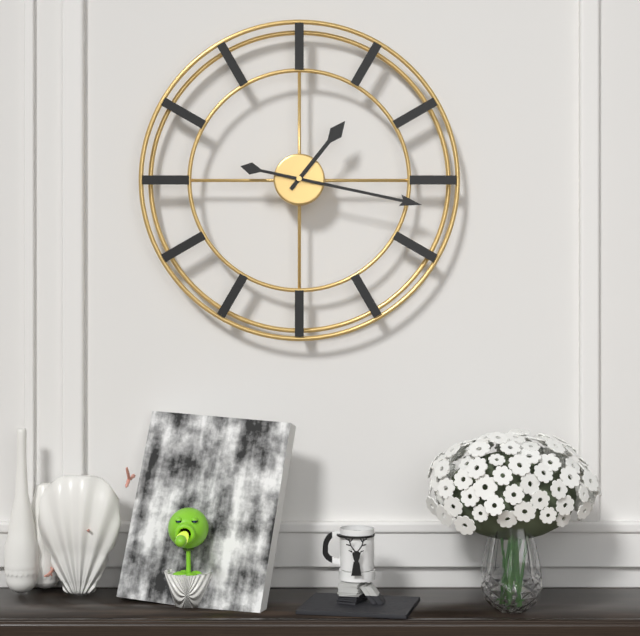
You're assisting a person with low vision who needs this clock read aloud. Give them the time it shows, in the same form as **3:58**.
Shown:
**1:17**
